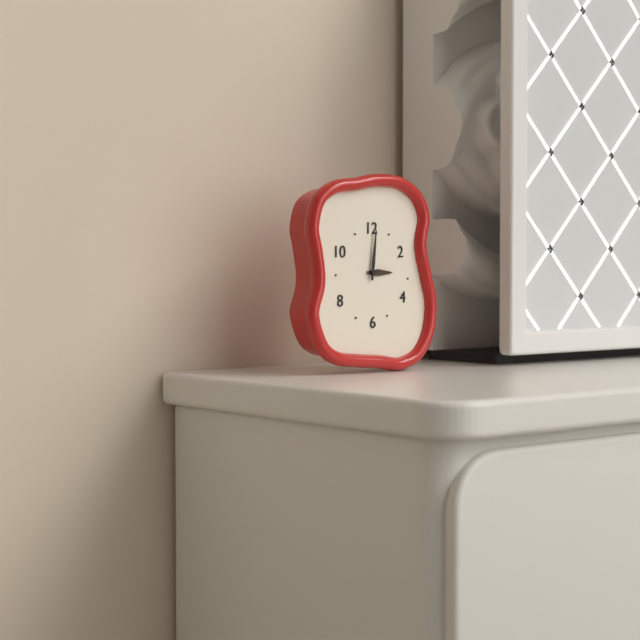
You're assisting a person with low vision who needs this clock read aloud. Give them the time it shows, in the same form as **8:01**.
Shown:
**3:01**
